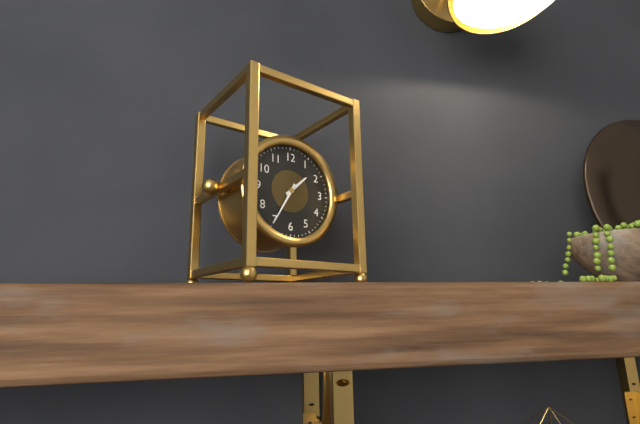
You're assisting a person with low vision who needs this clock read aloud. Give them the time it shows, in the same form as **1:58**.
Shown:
**1:35**
